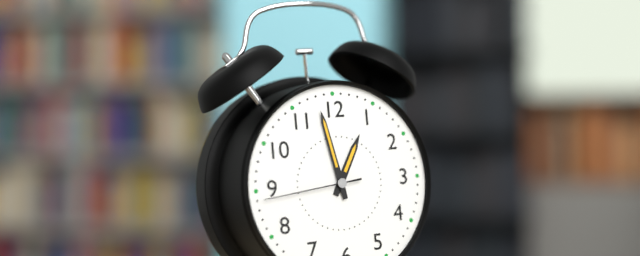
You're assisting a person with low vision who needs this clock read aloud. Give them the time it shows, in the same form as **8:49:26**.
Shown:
**12:58:44**
